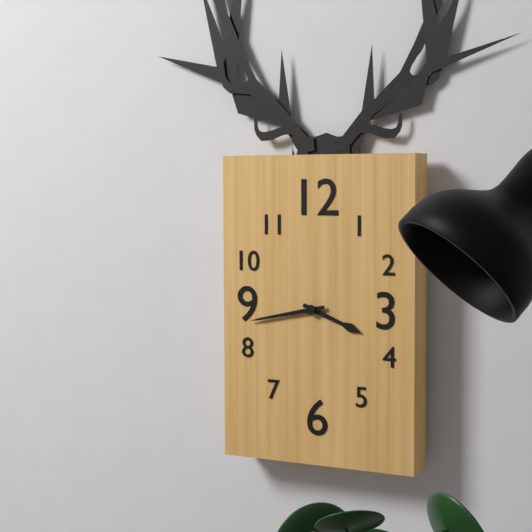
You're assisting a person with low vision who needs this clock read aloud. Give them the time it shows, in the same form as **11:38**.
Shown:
**3:43**
